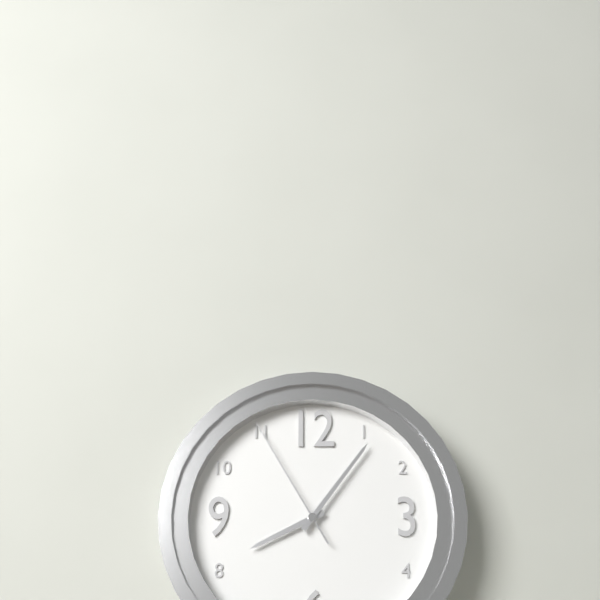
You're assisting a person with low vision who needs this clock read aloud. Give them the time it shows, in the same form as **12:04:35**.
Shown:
**8:06:55**
